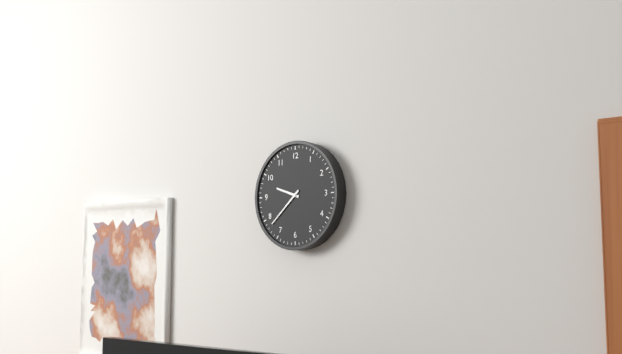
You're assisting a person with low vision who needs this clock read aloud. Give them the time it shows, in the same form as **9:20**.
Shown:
**9:38**
